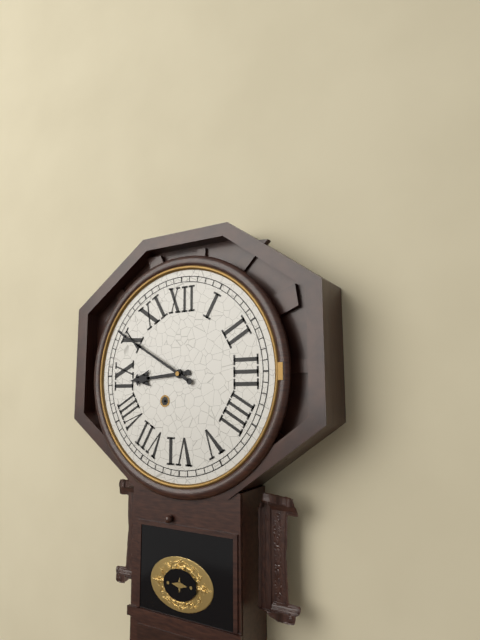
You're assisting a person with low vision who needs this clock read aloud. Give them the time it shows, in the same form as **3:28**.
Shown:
**8:50**
